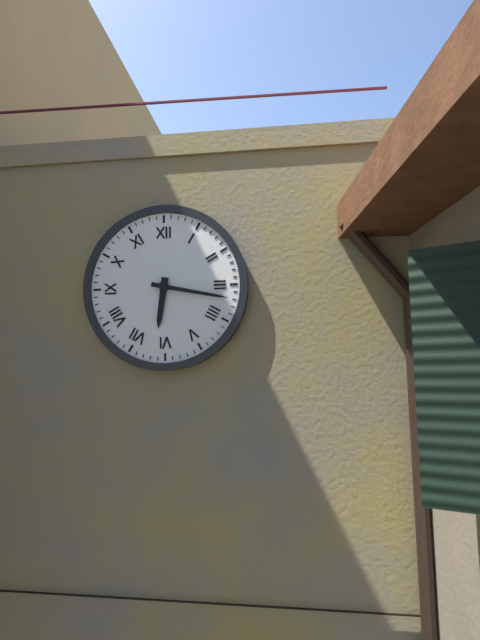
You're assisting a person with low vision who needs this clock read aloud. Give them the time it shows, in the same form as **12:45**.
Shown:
**6:17**
